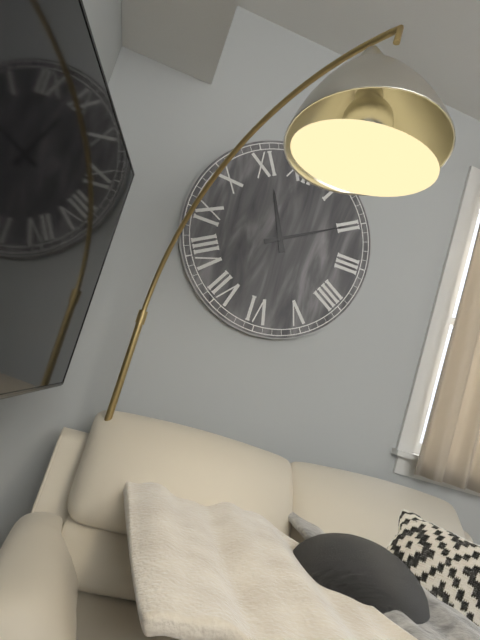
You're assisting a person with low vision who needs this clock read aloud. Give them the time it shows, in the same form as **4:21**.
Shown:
**11:10**
